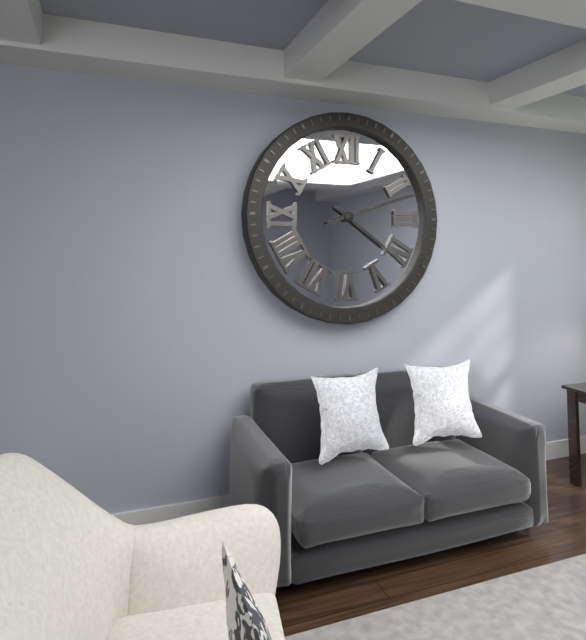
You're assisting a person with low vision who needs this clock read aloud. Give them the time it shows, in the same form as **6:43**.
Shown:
**4:12**
